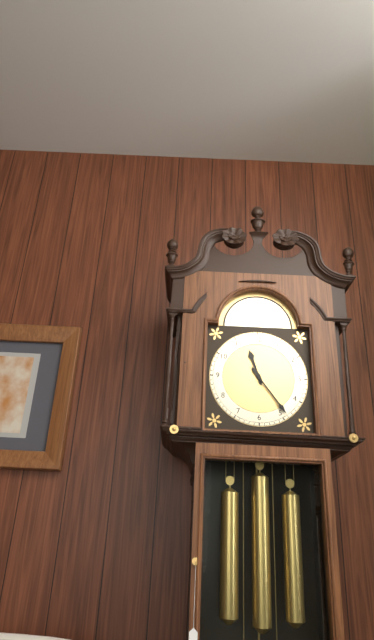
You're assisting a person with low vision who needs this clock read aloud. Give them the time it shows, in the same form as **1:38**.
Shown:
**11:24**
